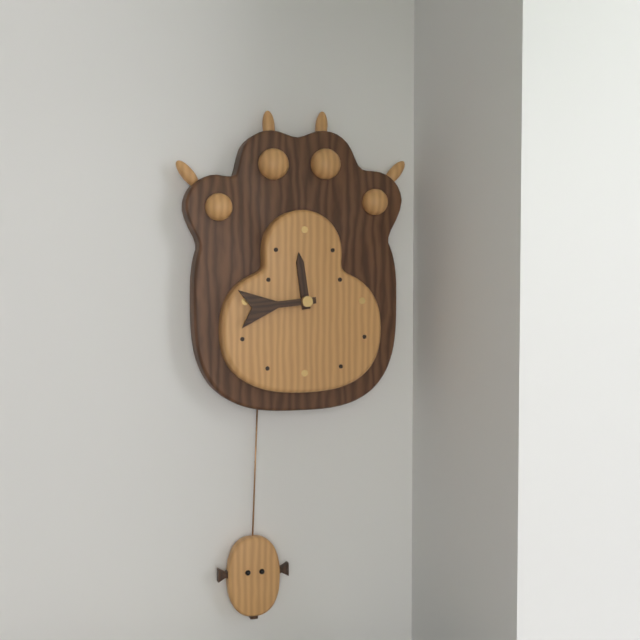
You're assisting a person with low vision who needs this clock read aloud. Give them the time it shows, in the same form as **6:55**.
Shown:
**11:44**
